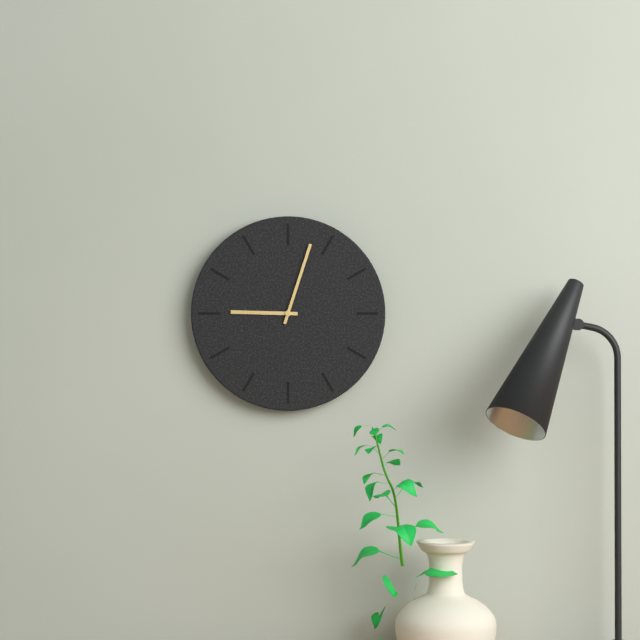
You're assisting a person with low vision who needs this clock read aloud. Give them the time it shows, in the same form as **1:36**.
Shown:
**9:03**
